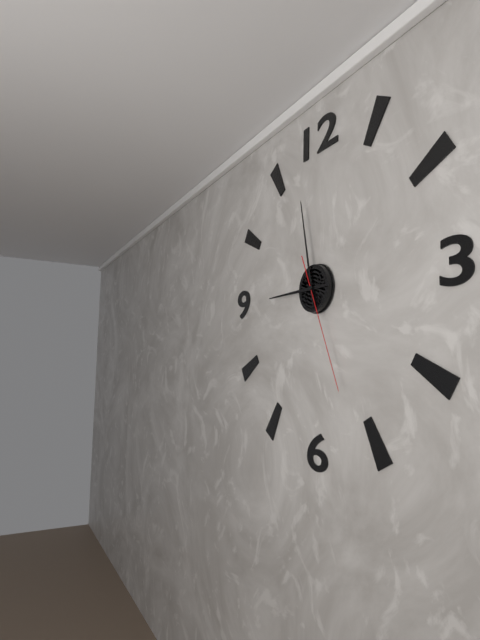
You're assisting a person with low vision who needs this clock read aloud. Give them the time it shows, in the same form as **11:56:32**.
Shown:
**8:58:26**
